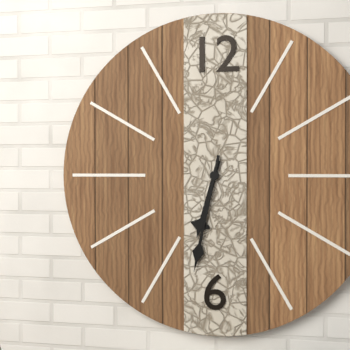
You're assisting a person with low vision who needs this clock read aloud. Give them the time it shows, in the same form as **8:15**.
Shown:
**6:32**
